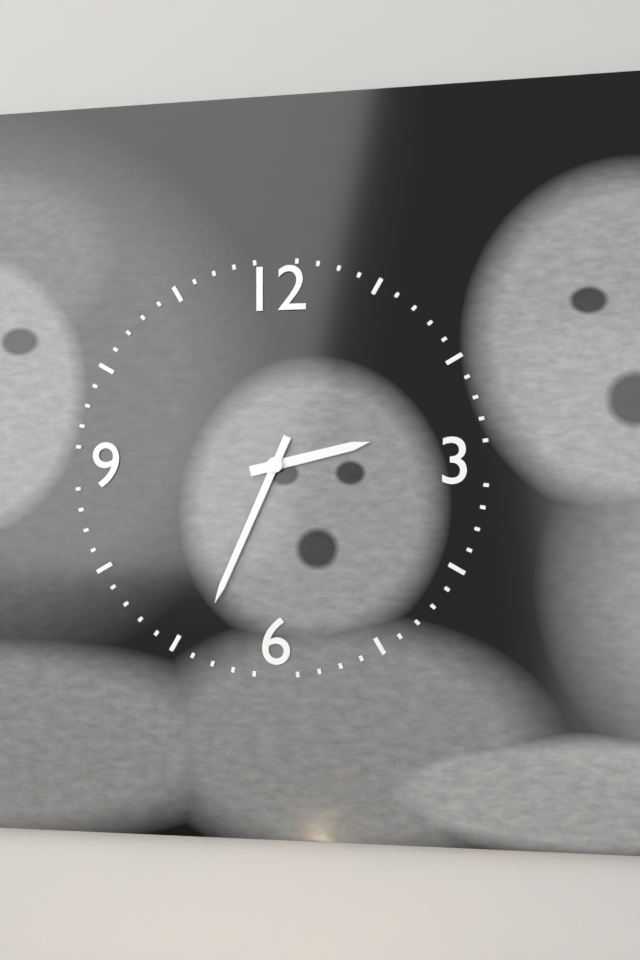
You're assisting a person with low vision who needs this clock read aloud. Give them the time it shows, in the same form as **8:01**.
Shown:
**2:34**
